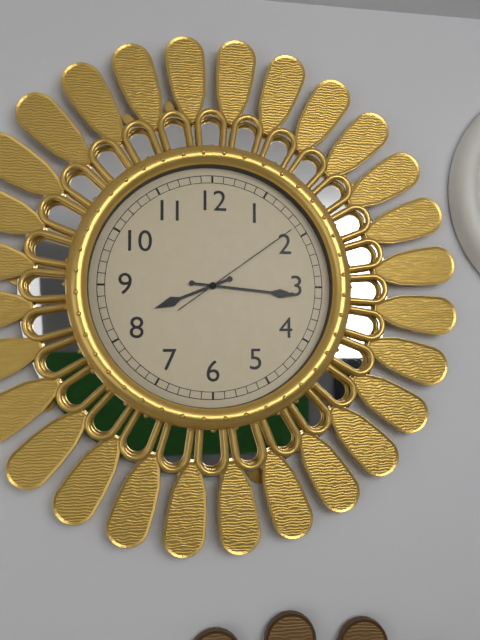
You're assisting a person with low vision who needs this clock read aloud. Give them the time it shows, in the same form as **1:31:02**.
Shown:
**8:16:09**
